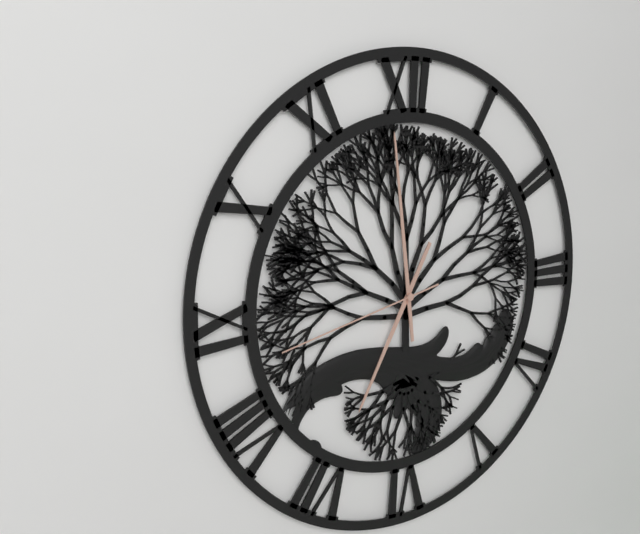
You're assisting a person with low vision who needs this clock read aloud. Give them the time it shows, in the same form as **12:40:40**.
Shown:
**6:59:43**
